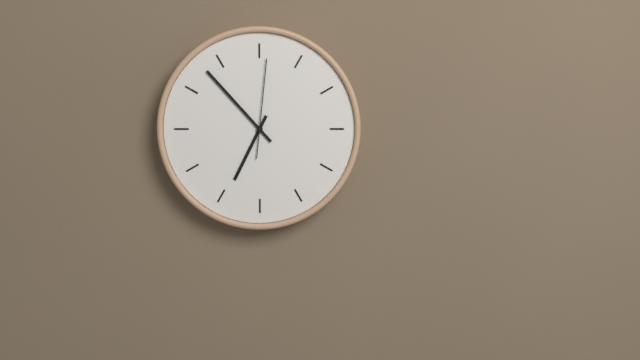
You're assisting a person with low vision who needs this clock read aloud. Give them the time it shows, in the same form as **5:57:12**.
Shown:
**6:53:01**
